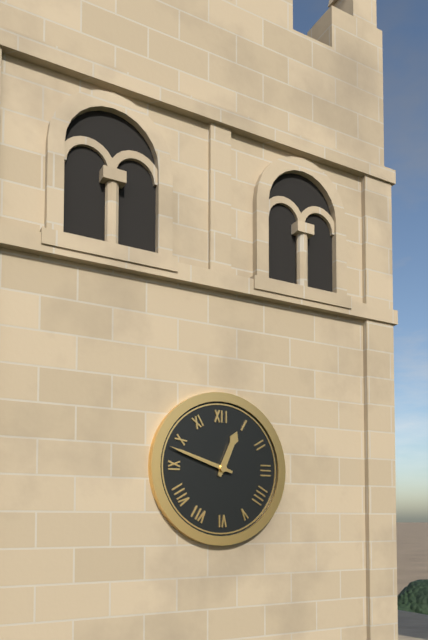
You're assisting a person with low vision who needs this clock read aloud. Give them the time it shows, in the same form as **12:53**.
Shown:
**12:48**
